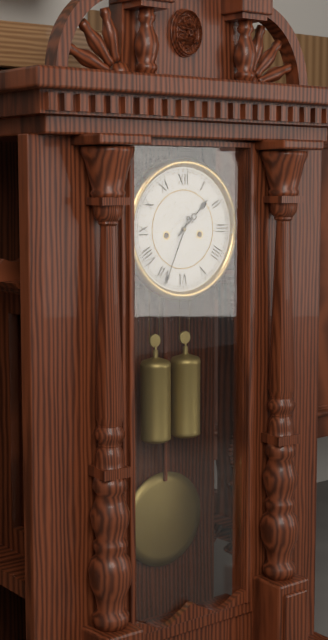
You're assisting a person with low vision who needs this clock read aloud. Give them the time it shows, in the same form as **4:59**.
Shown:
**1:34**
